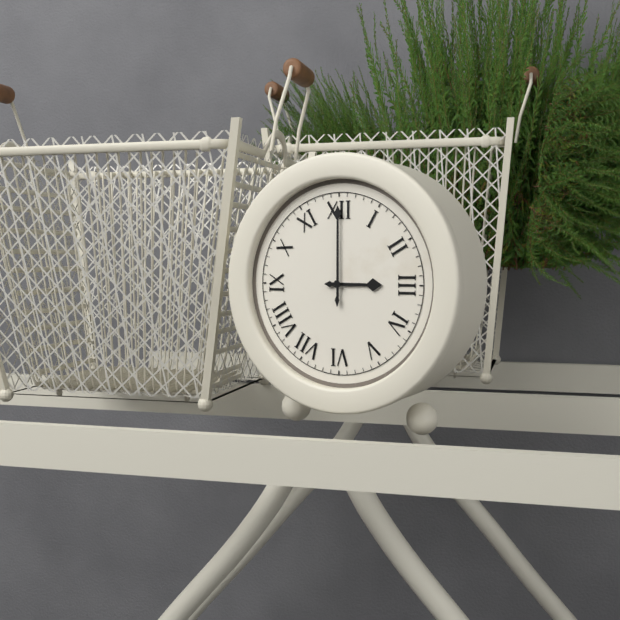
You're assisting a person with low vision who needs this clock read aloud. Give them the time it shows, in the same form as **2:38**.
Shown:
**3:00**
